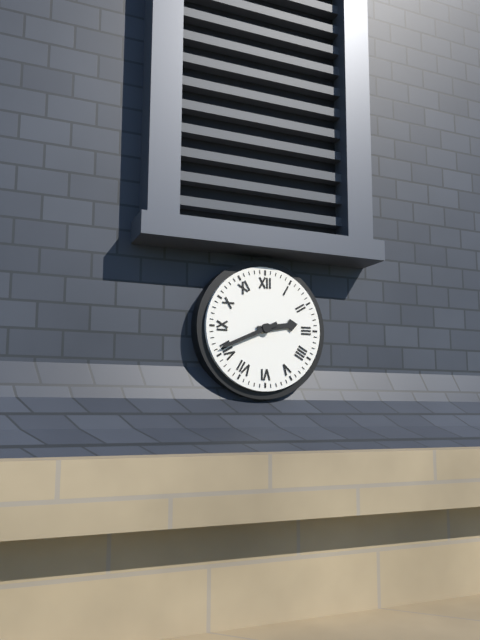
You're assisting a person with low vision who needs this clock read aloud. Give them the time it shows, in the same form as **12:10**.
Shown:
**2:41**
